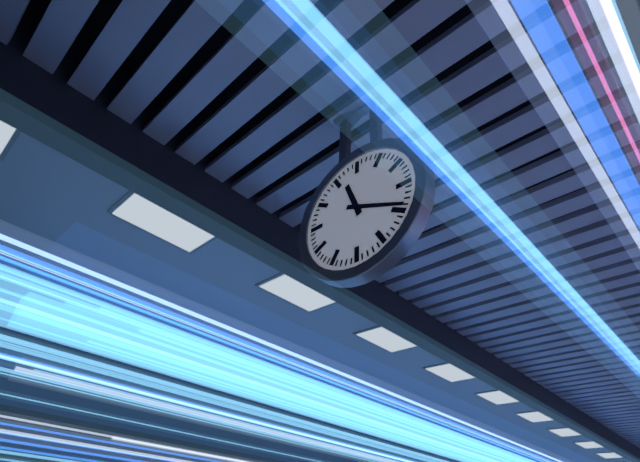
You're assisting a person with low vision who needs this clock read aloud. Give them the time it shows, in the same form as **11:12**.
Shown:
**11:19**
